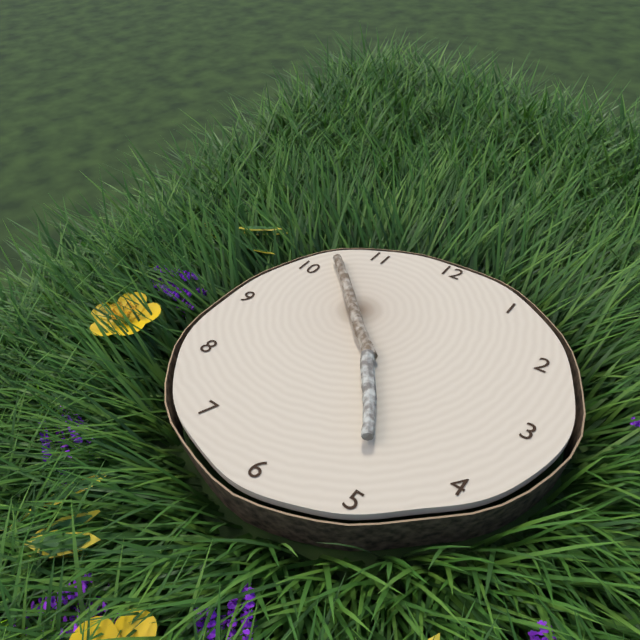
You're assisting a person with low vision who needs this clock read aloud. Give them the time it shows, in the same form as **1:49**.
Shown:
**4:52**
